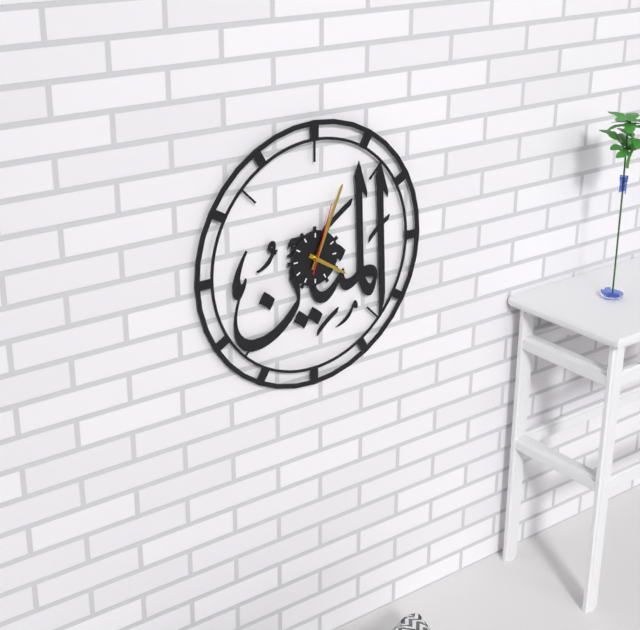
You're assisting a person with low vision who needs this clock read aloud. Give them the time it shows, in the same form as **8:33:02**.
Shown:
**4:04:03**
